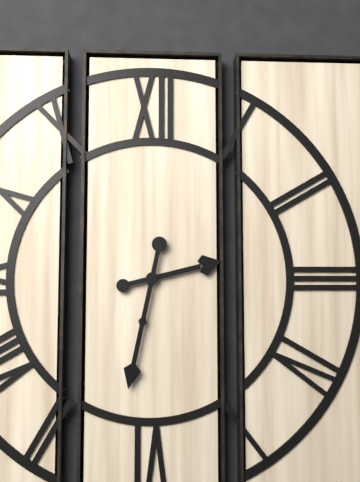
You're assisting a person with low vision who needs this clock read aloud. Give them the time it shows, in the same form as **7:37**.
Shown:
**2:32**
